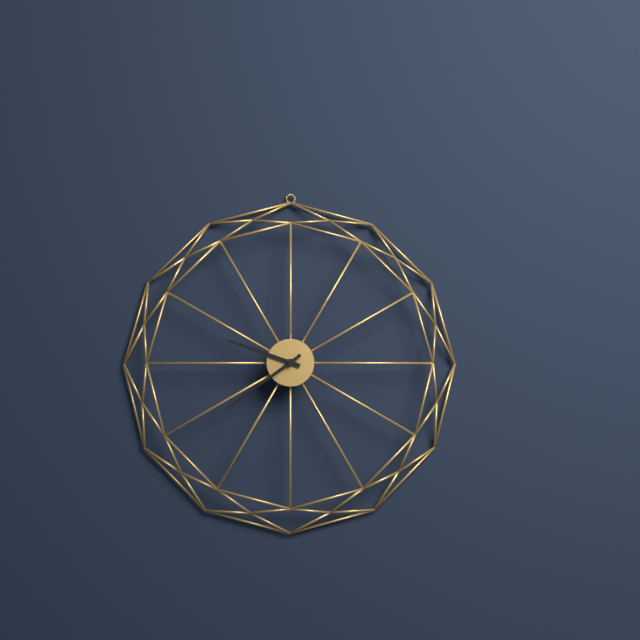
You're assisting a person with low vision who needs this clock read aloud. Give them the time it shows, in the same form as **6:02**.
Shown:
**9:39**
